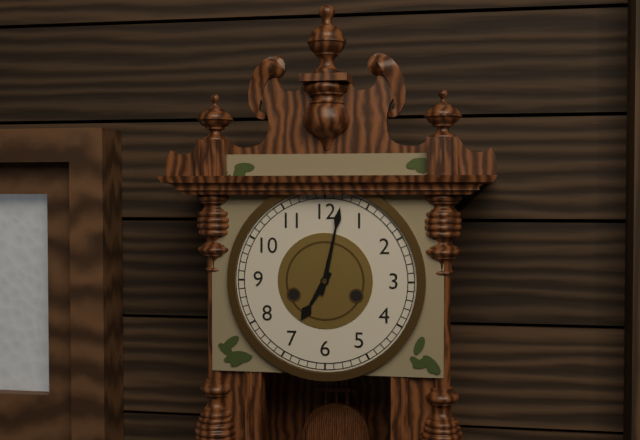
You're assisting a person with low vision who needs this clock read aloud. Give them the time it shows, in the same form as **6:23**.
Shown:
**7:02**
